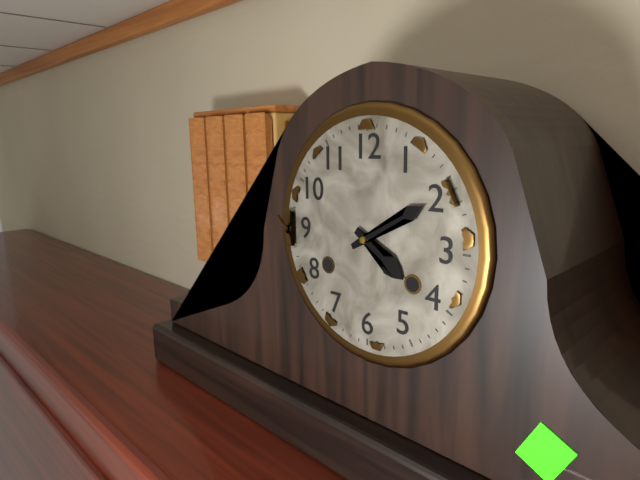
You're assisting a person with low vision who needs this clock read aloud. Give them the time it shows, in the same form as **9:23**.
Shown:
**4:10**
